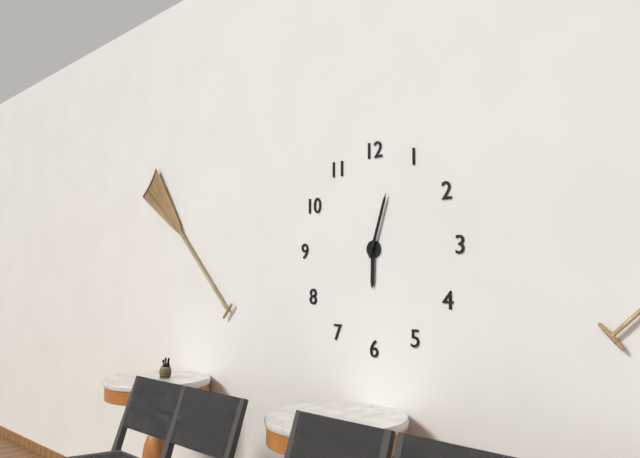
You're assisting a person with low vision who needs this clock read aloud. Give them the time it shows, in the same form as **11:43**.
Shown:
**6:03**
